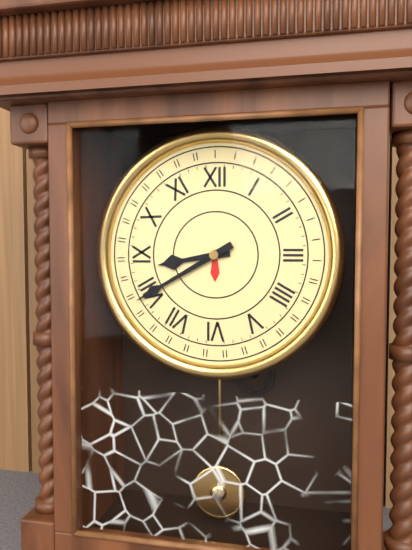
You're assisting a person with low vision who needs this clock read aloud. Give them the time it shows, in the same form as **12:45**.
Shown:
**8:40**
